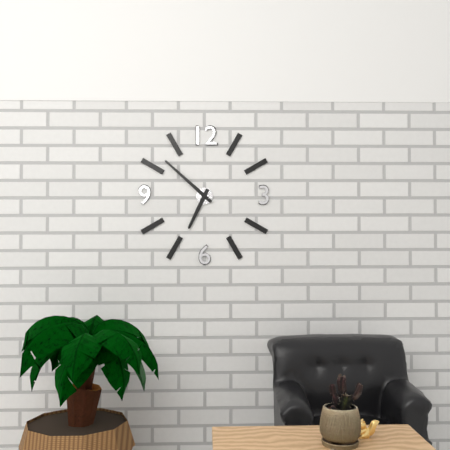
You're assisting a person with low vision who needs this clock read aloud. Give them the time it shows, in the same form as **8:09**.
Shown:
**6:52**
